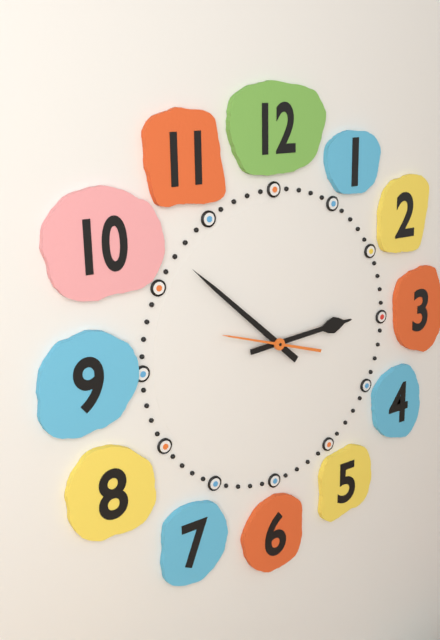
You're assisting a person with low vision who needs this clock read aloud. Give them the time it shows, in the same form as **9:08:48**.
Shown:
**2:52:48**
